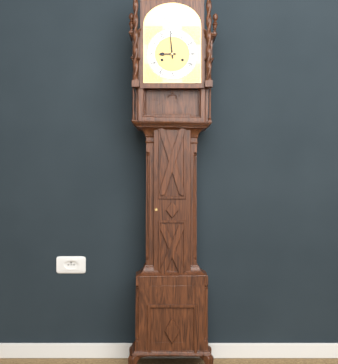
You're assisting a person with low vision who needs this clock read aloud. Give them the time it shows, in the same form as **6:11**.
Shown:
**8:59**
